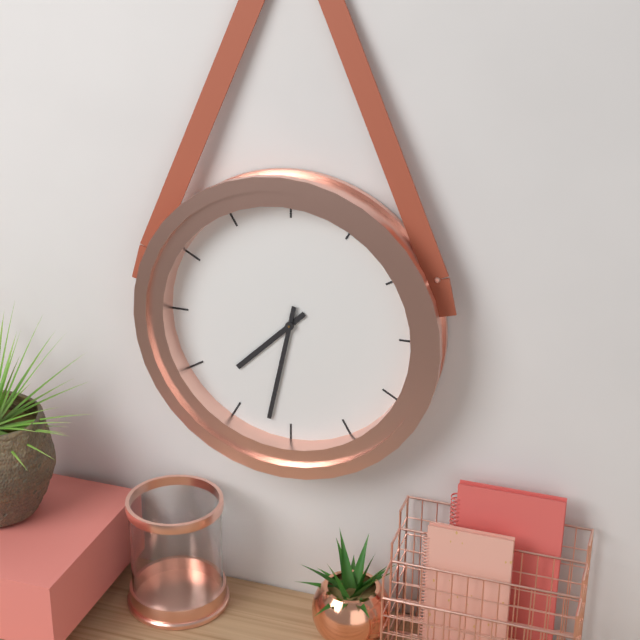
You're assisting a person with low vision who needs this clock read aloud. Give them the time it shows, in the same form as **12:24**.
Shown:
**7:32**
